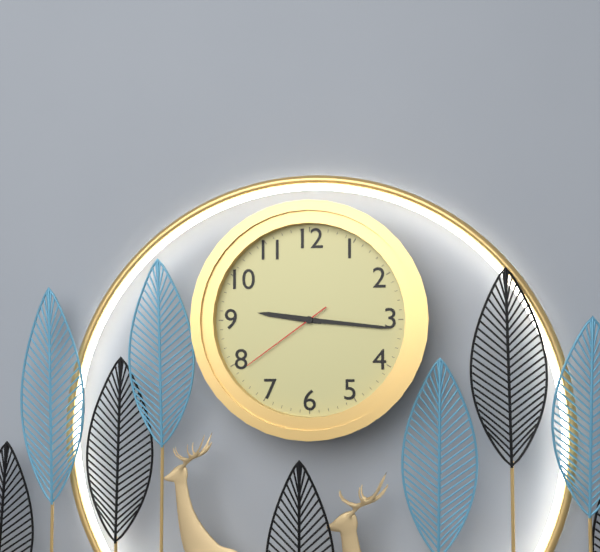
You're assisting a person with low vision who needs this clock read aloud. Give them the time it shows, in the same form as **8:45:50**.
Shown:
**9:16:39**
